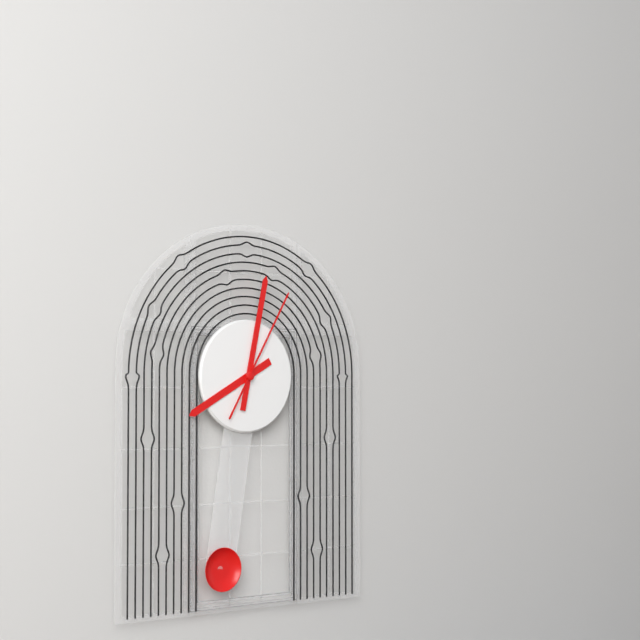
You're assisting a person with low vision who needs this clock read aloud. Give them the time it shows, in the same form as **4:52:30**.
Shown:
**8:02:05**
